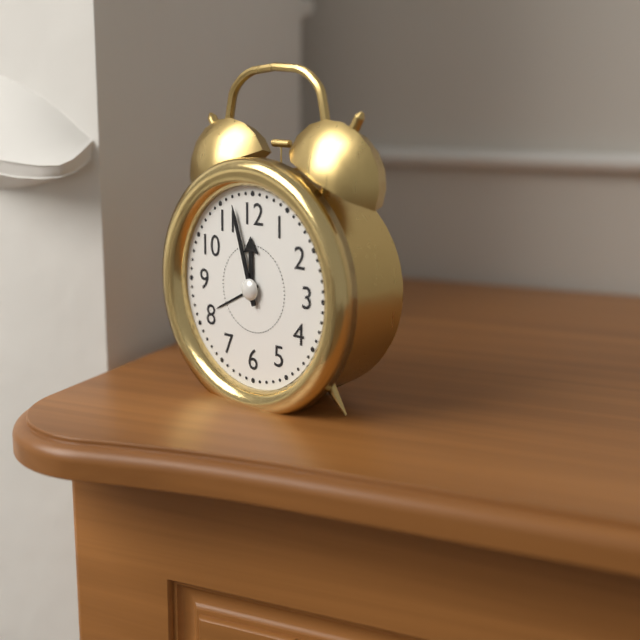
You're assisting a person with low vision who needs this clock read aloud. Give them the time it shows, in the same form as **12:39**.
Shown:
**11:57**
